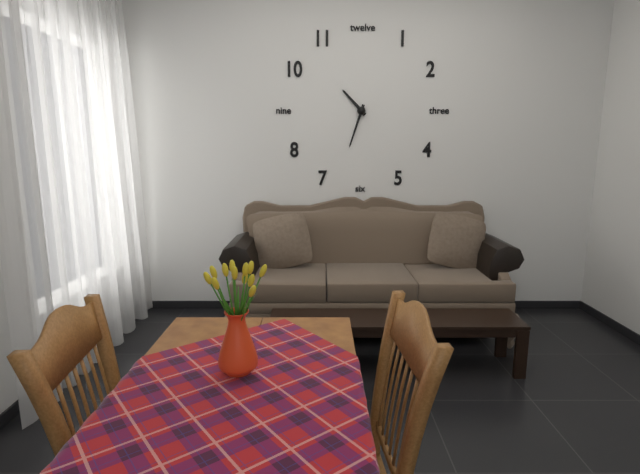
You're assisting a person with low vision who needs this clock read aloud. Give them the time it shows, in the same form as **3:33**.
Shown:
**10:33**
